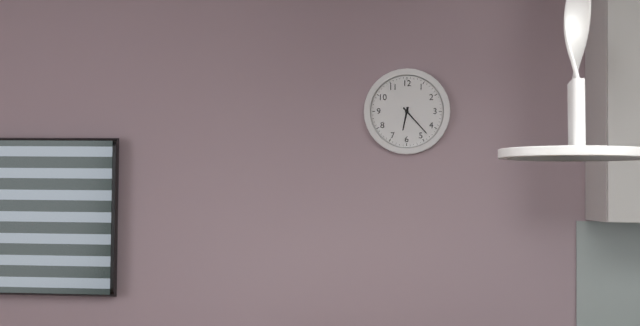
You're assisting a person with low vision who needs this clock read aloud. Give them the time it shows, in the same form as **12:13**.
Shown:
**6:23**
